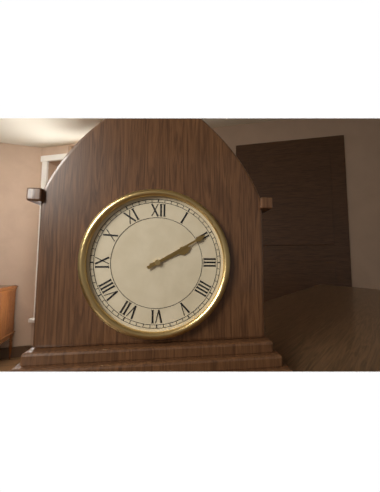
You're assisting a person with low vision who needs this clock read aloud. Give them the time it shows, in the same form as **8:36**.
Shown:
**2:10**
